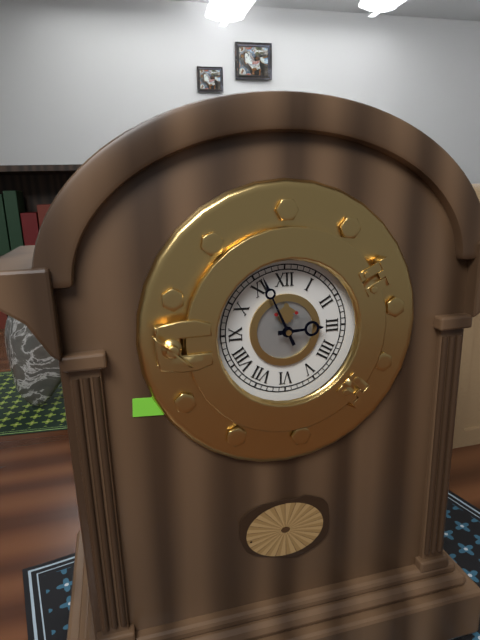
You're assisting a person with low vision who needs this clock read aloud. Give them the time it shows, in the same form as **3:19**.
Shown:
**2:56**
